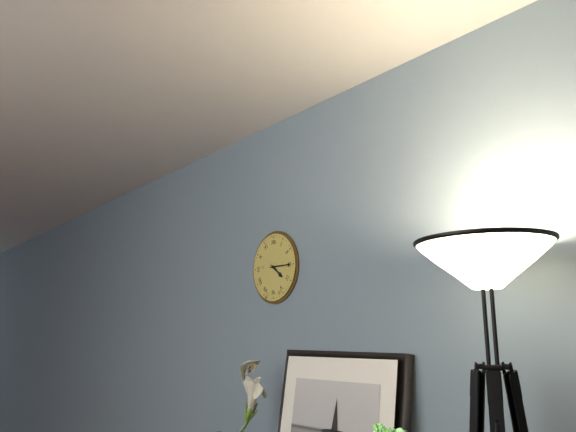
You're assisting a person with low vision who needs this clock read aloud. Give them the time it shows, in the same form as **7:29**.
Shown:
**4:15**
